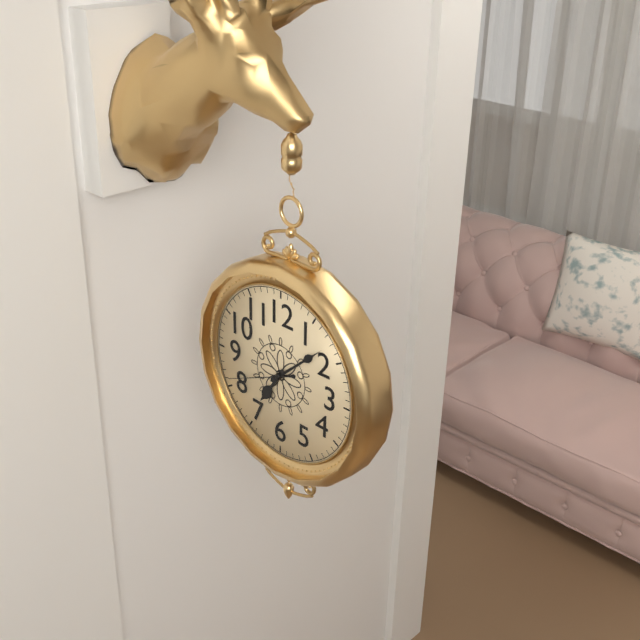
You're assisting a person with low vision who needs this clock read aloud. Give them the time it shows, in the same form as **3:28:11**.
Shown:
**7:08:41**
